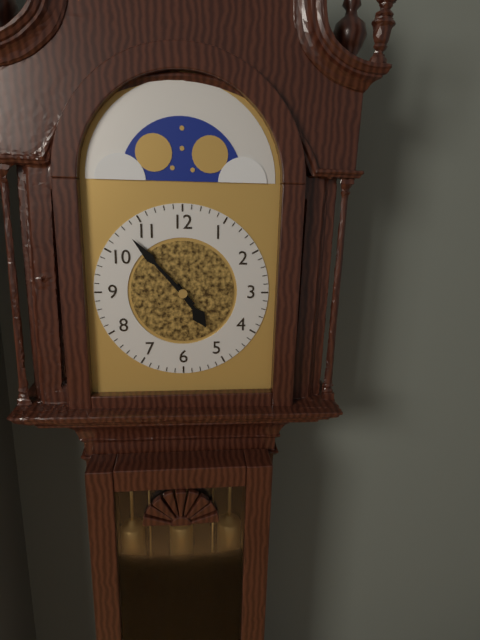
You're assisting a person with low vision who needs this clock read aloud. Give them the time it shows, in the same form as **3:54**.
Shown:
**4:53**
